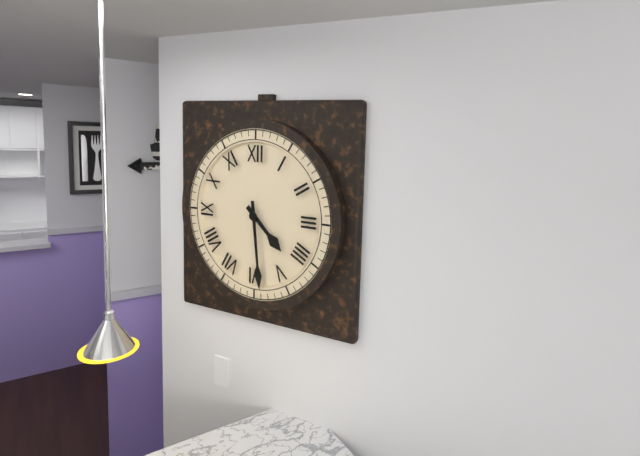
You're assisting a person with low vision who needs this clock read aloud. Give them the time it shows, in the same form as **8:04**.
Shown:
**4:29**
